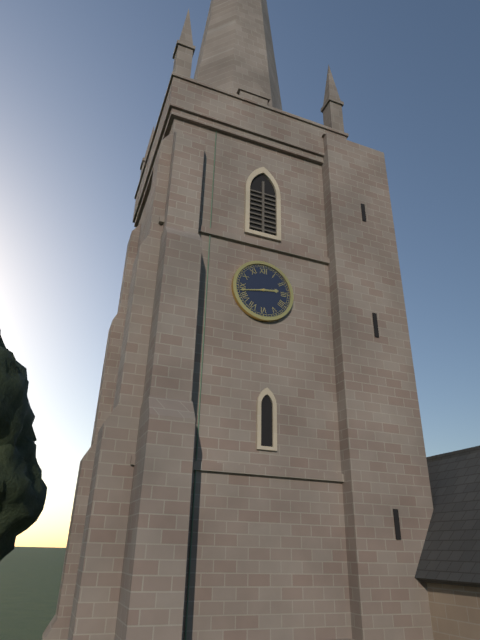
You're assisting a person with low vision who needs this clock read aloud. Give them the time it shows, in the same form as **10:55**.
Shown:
**2:43**
